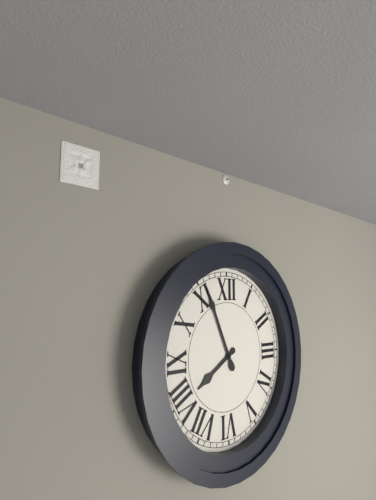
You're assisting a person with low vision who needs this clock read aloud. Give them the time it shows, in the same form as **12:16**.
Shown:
**7:56**
